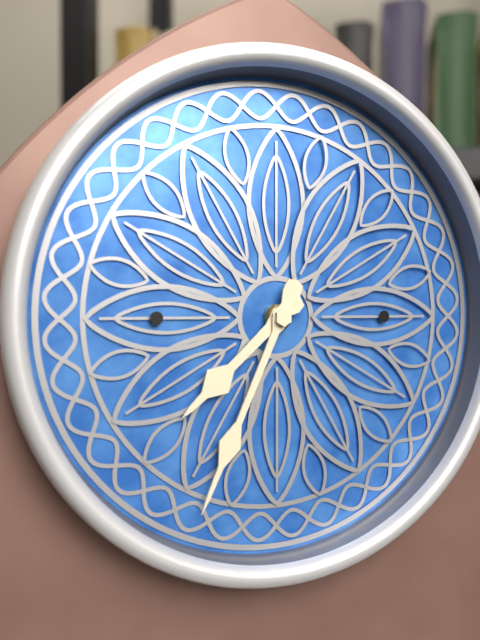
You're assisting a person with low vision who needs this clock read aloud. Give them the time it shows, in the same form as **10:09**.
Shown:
**7:34**
